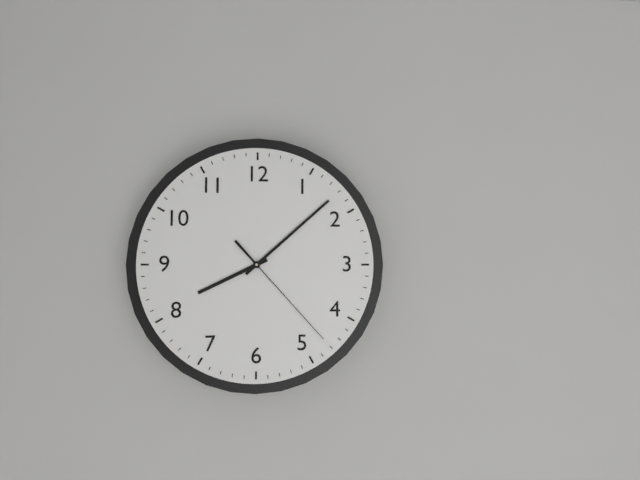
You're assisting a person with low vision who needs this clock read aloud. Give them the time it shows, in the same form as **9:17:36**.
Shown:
**8:08:23**
